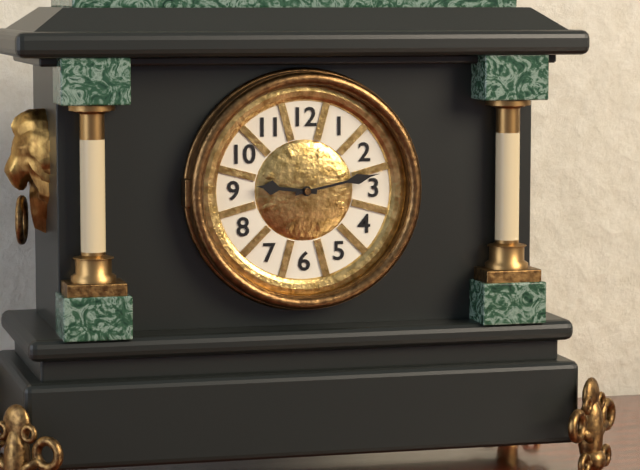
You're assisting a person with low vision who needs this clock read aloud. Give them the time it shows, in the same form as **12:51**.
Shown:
**9:13**
